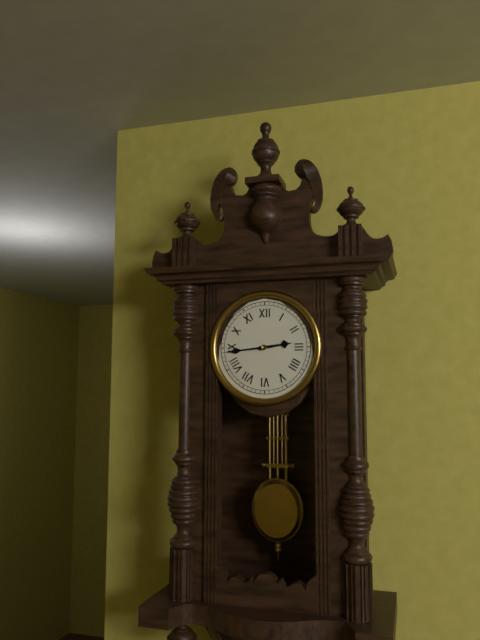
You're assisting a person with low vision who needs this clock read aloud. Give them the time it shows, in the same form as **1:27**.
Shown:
**2:44**
